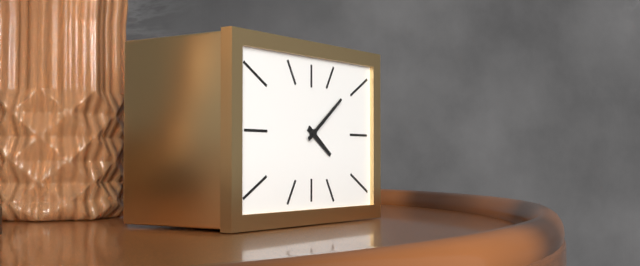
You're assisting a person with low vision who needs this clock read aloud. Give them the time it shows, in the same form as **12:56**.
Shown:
**4:09**
